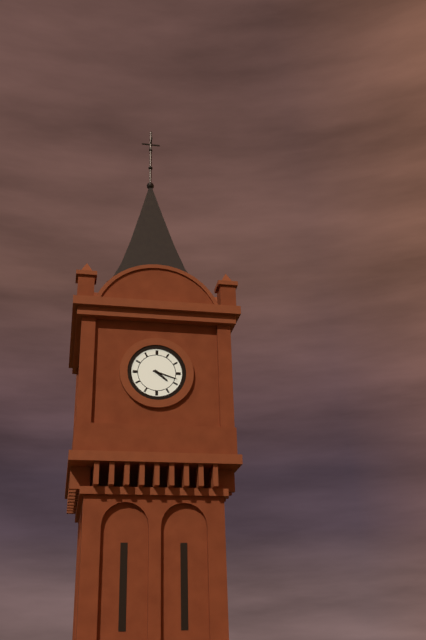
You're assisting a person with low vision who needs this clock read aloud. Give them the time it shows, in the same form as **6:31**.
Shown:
**4:18**
